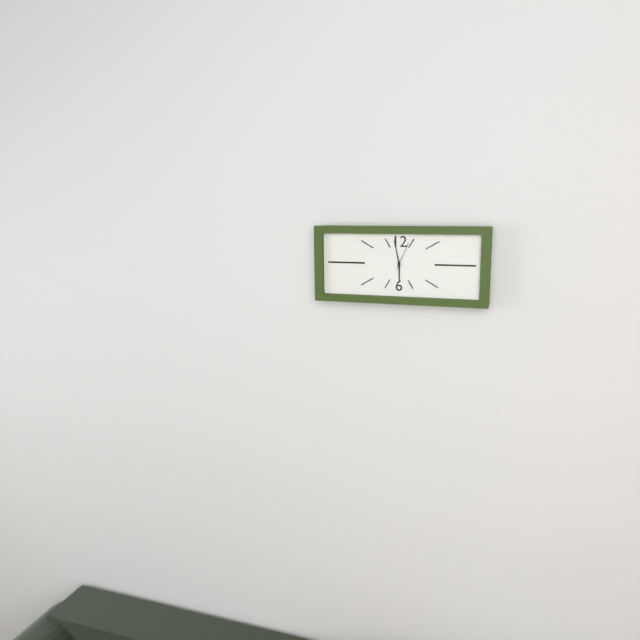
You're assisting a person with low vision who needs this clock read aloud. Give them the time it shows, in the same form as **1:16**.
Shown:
**5:58**
